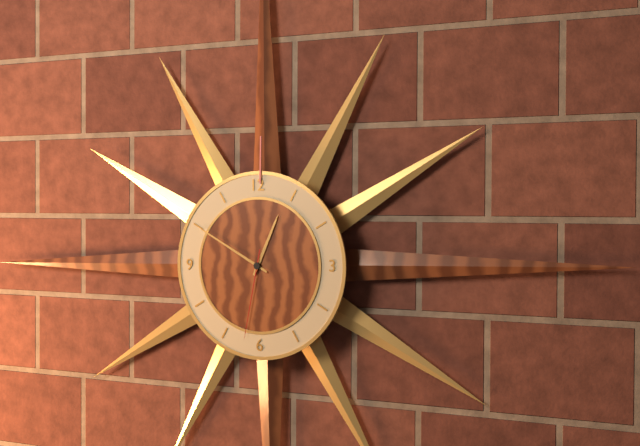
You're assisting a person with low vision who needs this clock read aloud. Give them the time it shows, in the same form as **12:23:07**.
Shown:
**12:50:32**
